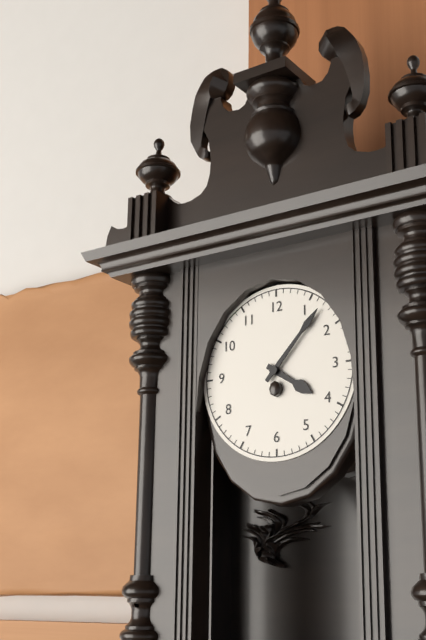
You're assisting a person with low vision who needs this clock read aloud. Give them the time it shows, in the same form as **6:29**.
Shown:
**4:07**
